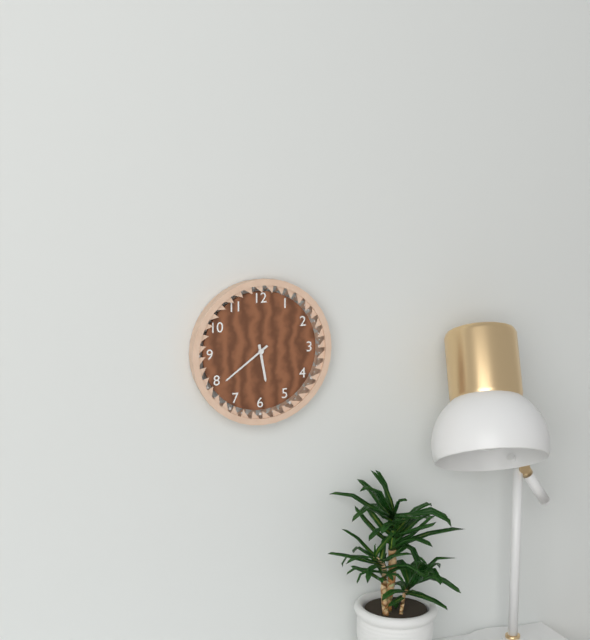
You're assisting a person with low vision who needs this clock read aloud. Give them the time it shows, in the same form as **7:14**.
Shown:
**5:39**
